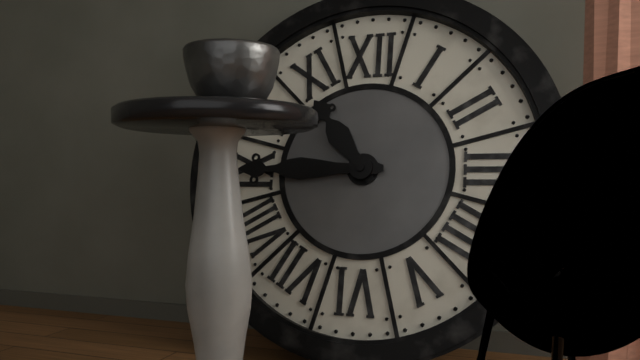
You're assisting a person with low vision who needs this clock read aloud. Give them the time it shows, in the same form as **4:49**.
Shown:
**10:45**
